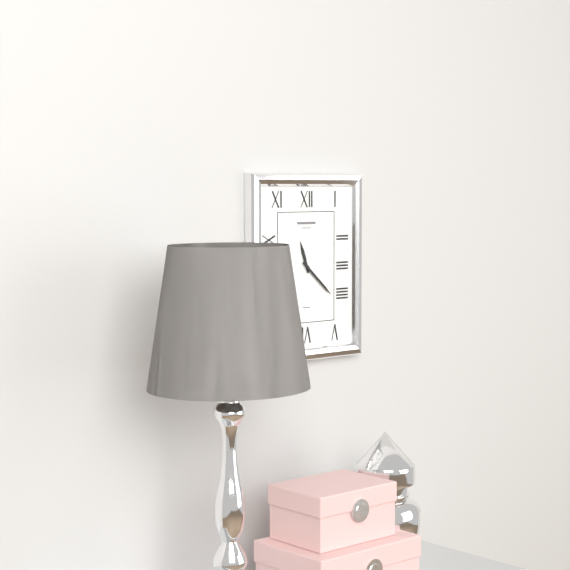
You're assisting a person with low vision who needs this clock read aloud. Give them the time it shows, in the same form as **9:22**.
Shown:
**11:22**
